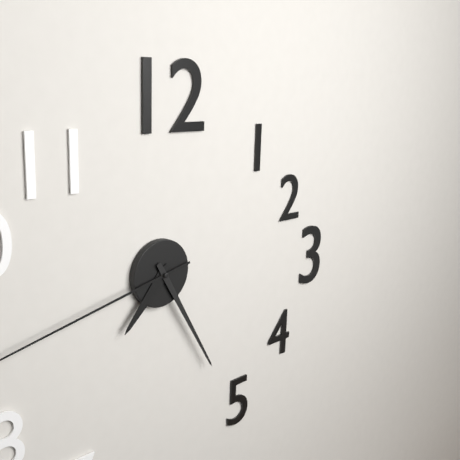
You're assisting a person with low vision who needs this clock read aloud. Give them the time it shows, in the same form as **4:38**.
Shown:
**7:25**
